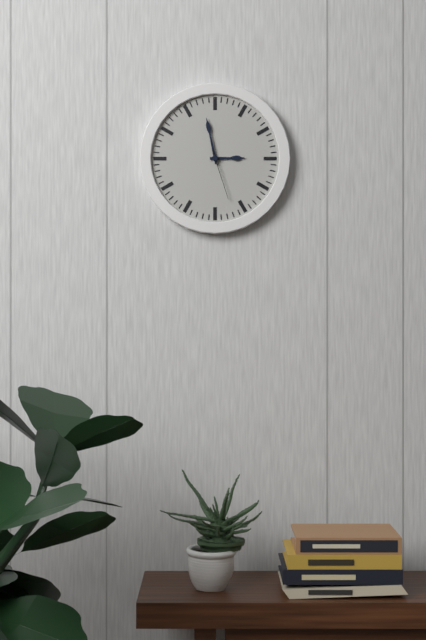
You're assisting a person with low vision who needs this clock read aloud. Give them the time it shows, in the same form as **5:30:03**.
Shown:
**2:58:27**
